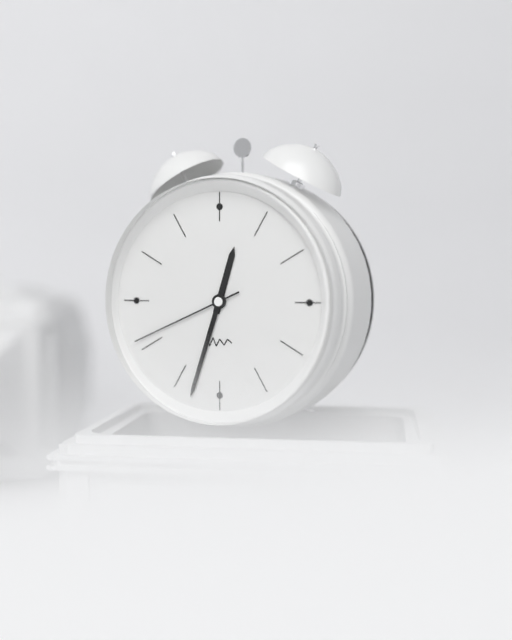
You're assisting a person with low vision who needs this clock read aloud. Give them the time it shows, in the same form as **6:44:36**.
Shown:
**12:33:41**
